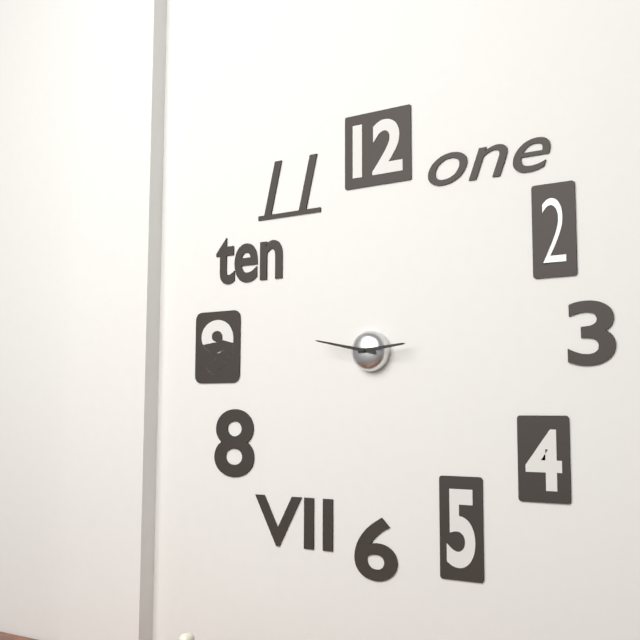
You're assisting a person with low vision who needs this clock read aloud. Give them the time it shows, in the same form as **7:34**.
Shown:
**2:47**
